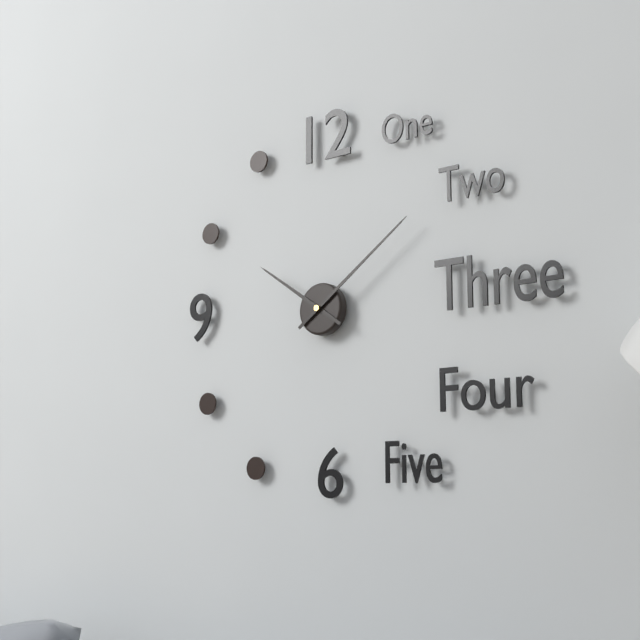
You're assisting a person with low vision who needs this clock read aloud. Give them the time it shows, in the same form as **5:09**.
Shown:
**10:09**
